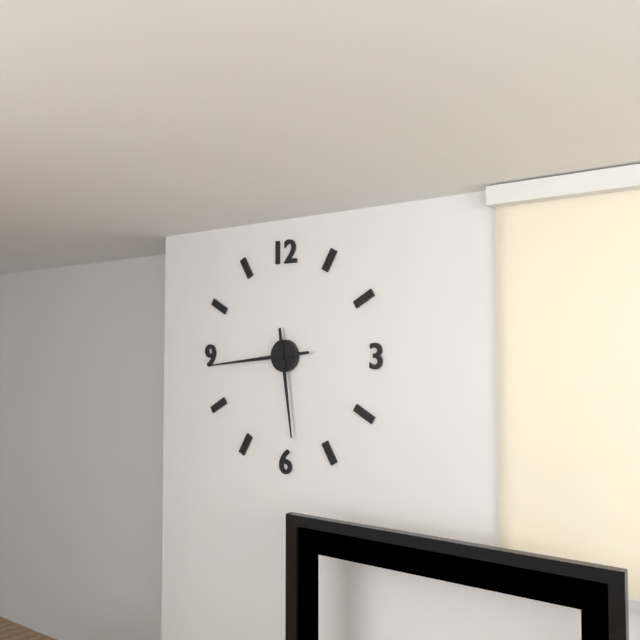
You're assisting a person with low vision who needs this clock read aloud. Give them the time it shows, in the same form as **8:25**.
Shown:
**5:44**
